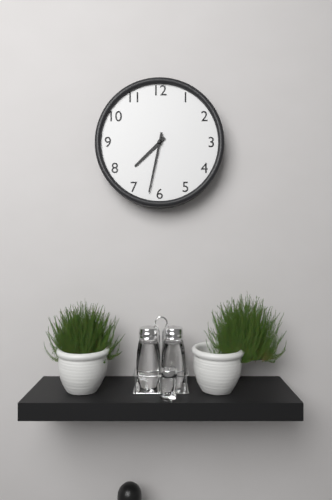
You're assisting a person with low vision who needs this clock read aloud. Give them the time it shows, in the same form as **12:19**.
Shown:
**7:32**
